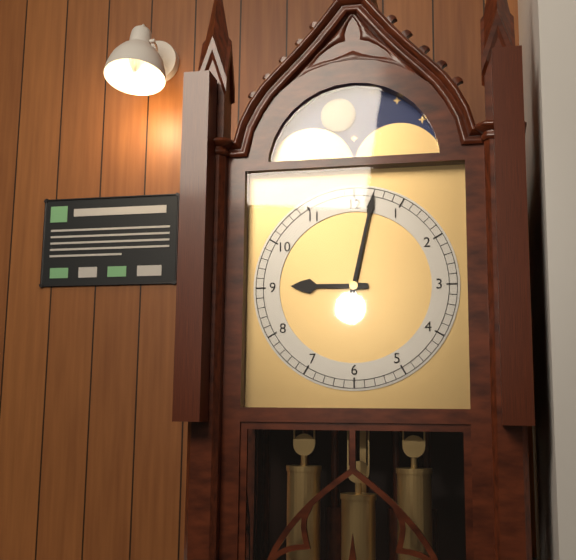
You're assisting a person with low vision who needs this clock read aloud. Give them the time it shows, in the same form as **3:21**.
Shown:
**9:02**
